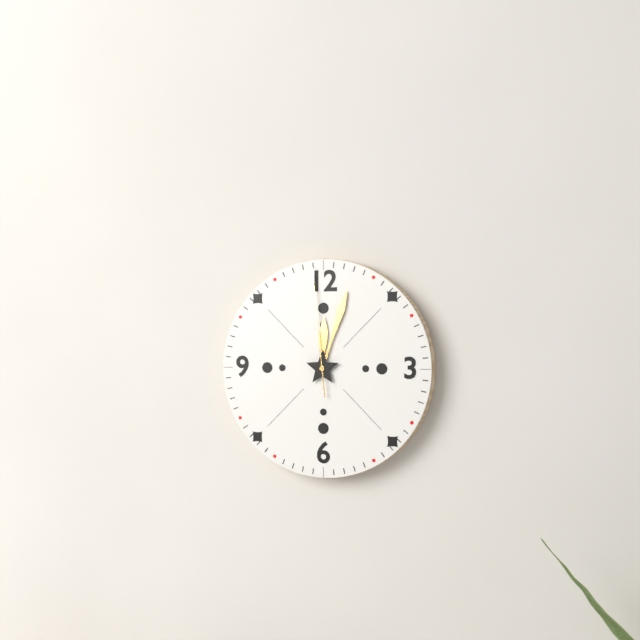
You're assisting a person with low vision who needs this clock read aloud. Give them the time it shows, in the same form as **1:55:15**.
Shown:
**12:03:59**
